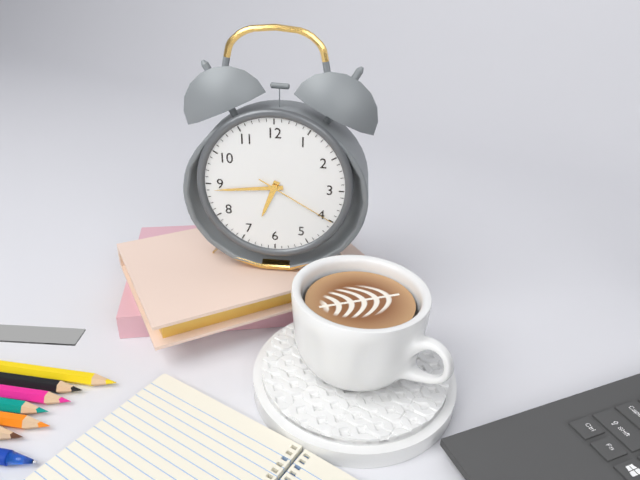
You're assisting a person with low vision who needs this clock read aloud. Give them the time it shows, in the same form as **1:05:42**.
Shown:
**6:44:20**
